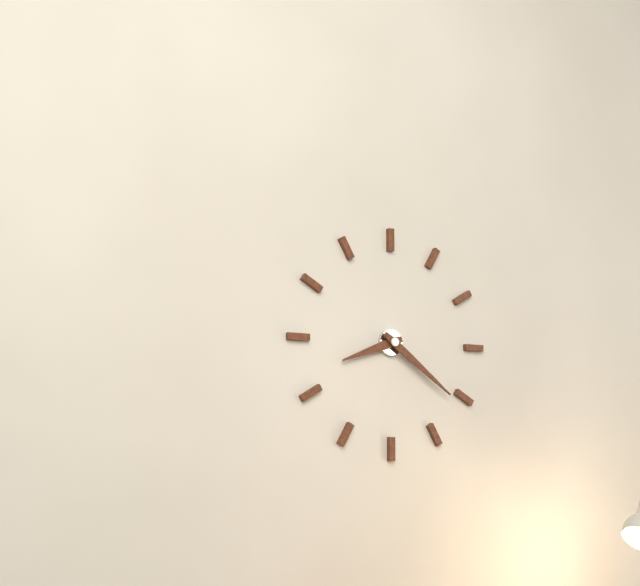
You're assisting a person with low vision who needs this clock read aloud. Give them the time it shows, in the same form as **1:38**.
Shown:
**8:21**
